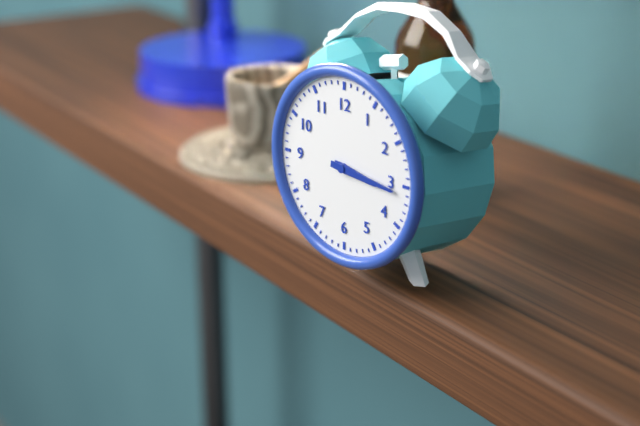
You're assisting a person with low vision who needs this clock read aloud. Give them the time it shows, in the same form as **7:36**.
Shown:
**3:16**
